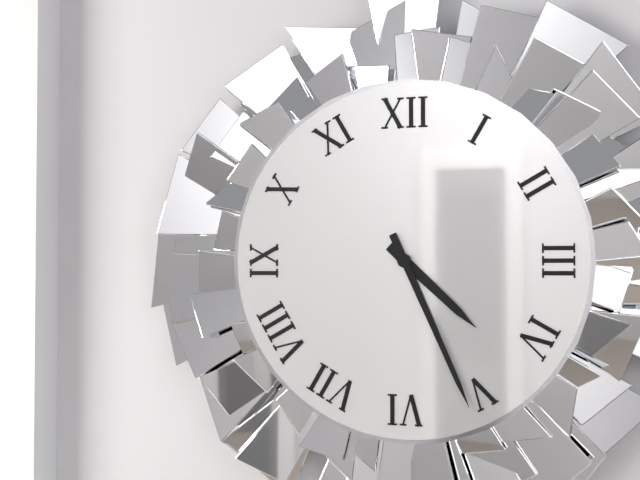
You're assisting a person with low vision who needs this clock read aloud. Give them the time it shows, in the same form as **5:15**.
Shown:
**4:26**
